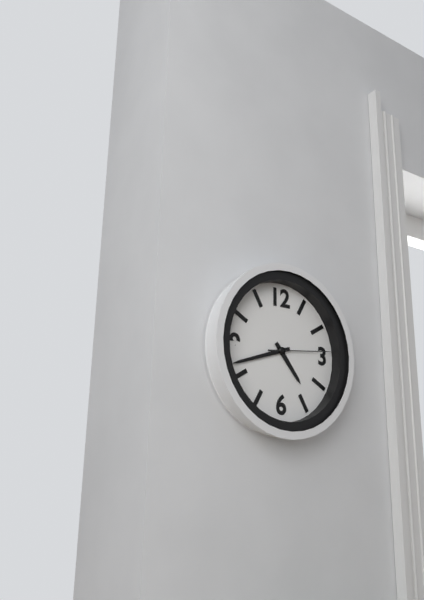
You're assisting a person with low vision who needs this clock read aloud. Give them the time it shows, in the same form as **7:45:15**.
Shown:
**4:42:14**
